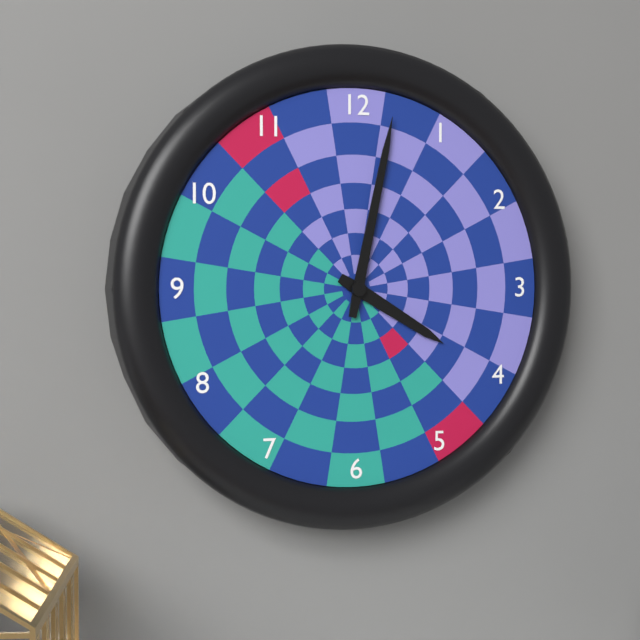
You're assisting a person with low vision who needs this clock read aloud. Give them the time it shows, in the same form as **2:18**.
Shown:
**4:02**
